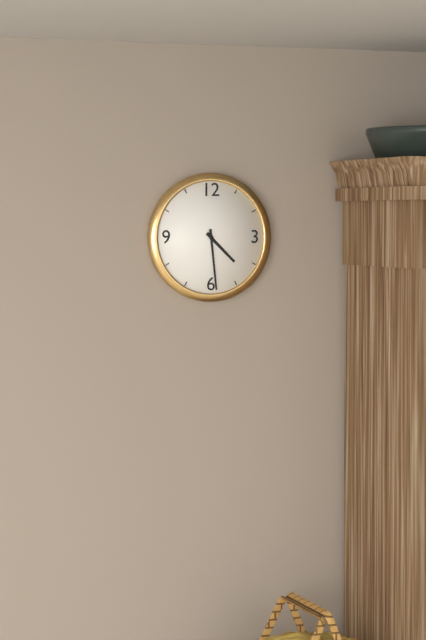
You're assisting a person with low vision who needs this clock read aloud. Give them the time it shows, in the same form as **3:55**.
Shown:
**4:29**
